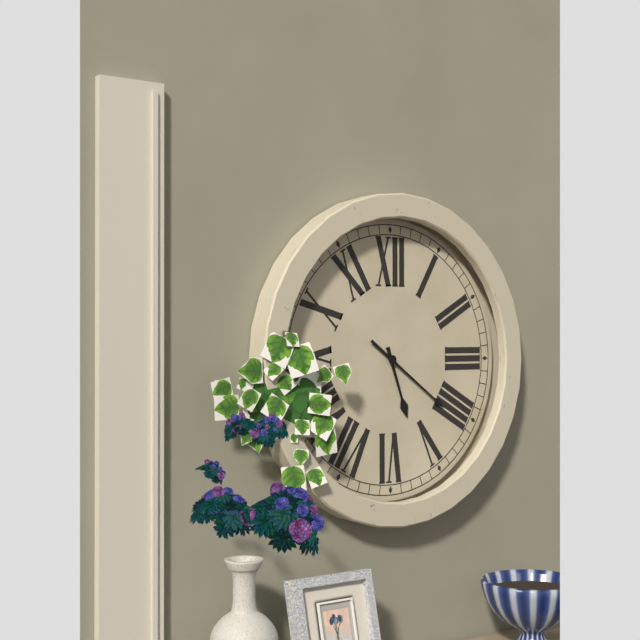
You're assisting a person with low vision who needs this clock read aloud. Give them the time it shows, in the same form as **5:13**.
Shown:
**5:21**
